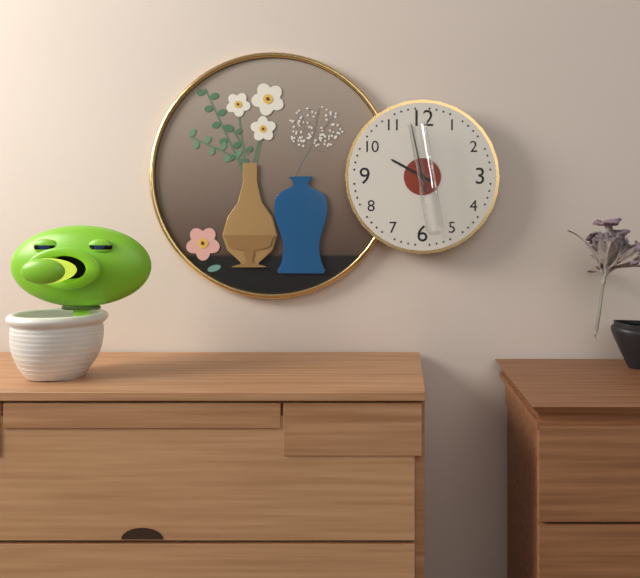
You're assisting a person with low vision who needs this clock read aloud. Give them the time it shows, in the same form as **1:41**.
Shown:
**9:58**
